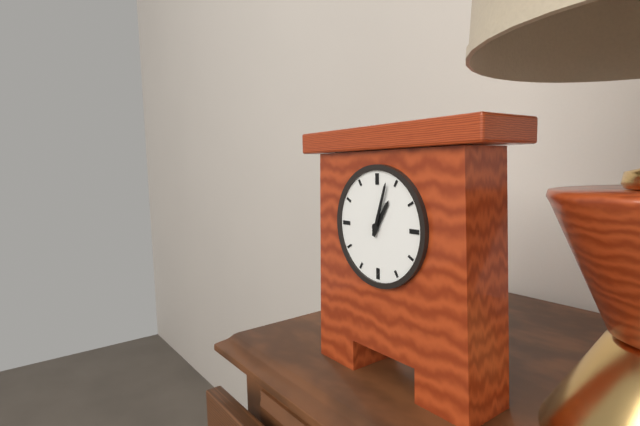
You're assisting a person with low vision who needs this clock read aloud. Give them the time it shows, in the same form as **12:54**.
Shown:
**1:03**
